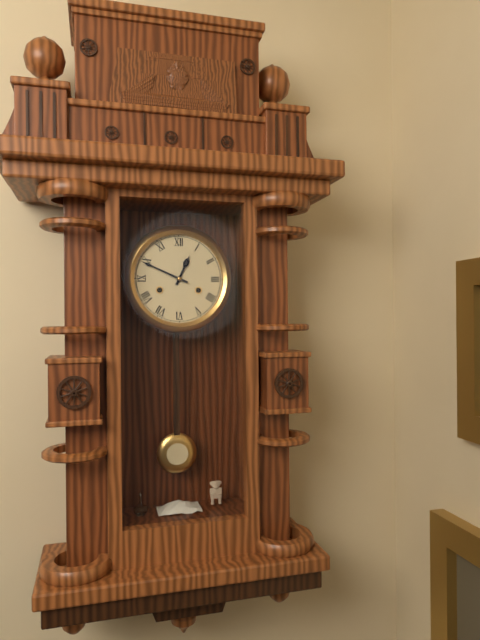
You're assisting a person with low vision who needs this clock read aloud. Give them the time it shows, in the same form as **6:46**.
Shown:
**12:49**
